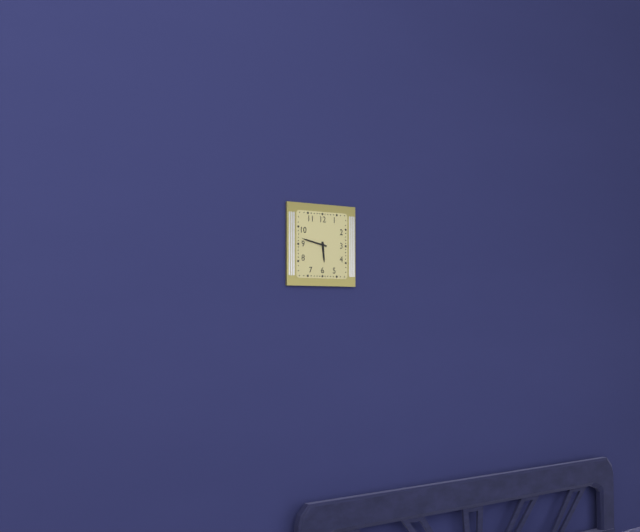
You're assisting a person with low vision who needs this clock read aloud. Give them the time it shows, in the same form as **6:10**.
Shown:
**5:47**
